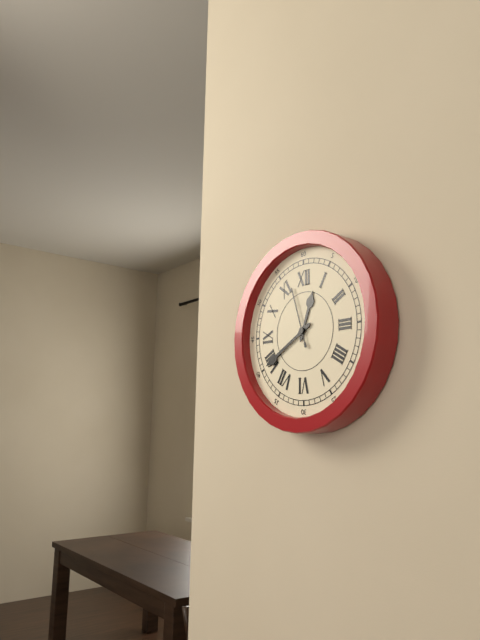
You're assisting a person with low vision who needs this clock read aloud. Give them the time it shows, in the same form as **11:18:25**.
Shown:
**12:40:57**
